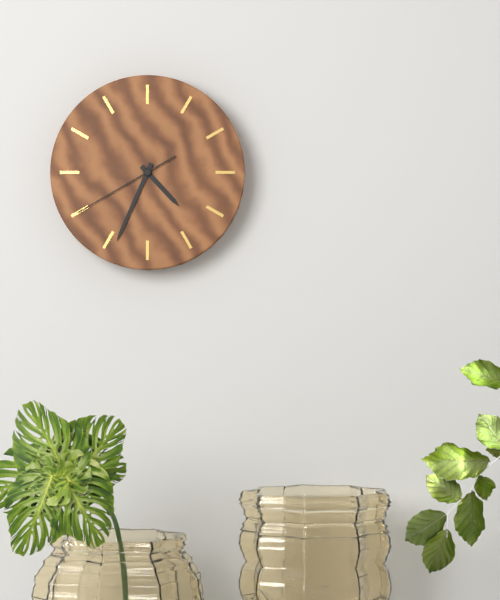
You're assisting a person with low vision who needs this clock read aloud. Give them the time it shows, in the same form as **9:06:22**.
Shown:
**4:34:40**
